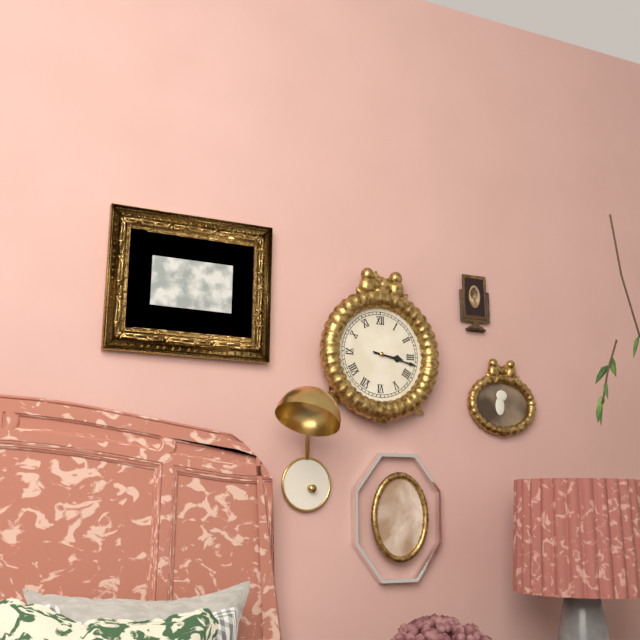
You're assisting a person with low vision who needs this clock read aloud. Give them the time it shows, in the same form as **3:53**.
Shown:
**3:17**
